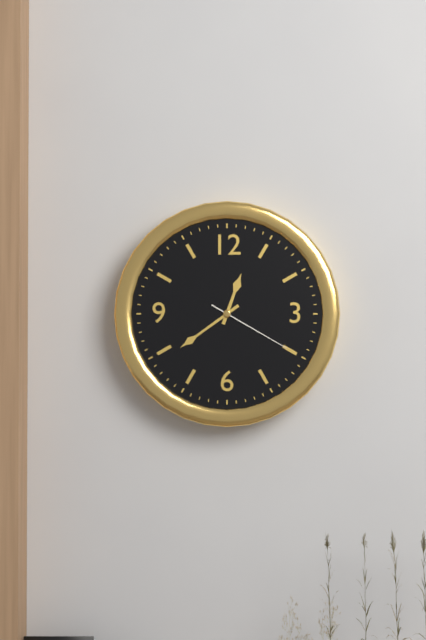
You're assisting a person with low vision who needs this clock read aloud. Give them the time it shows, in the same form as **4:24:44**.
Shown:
**12:39:20**
